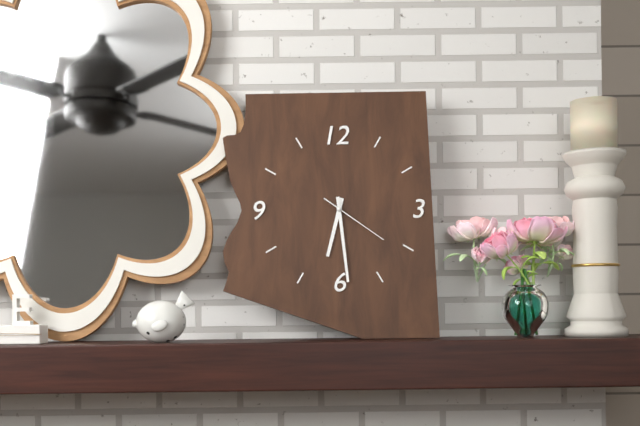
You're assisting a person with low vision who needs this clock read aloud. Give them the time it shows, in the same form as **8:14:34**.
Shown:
**6:29:21**
